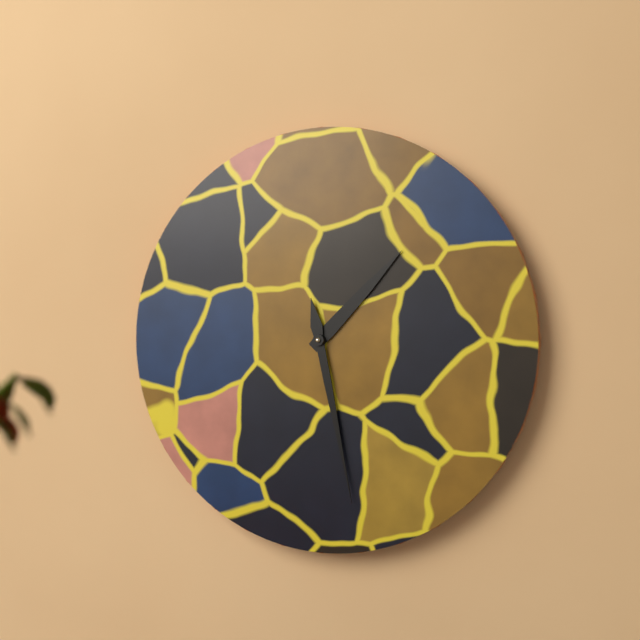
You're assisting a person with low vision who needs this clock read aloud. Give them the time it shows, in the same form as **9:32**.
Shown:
**1:28**
